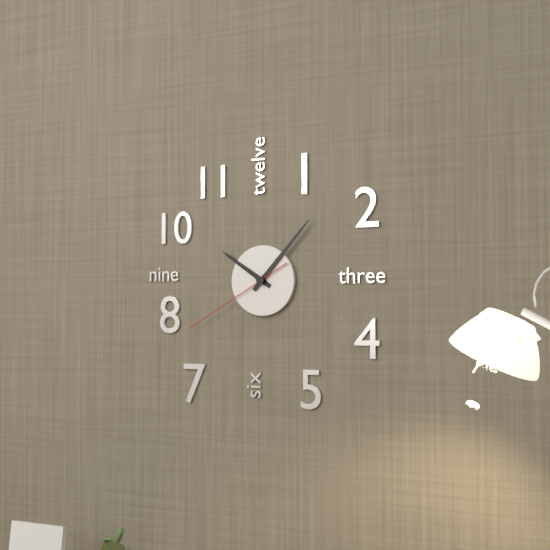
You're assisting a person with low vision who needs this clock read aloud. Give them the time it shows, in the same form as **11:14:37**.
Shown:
**10:07:40**
